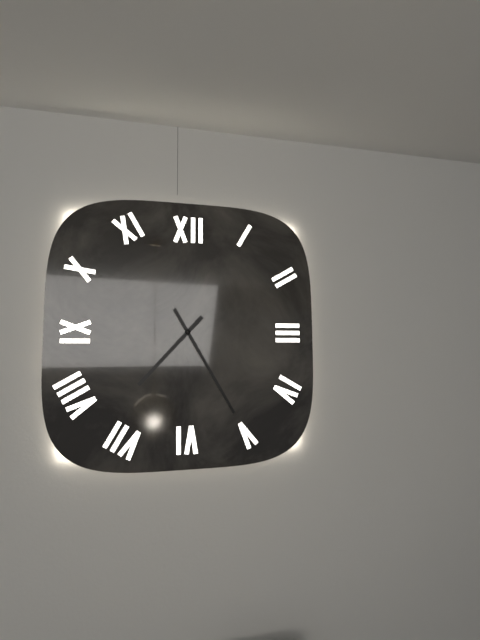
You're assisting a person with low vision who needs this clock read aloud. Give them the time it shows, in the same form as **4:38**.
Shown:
**7:25**
